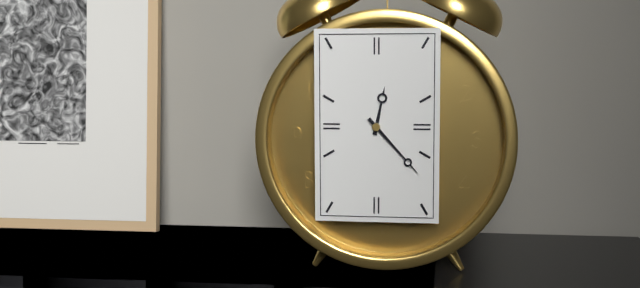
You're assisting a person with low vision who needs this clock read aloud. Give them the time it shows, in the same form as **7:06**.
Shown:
**12:23**
